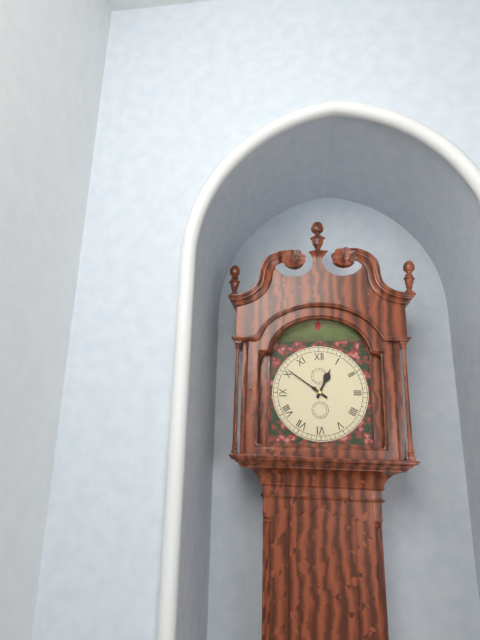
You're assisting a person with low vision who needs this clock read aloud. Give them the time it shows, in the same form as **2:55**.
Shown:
**12:51**
